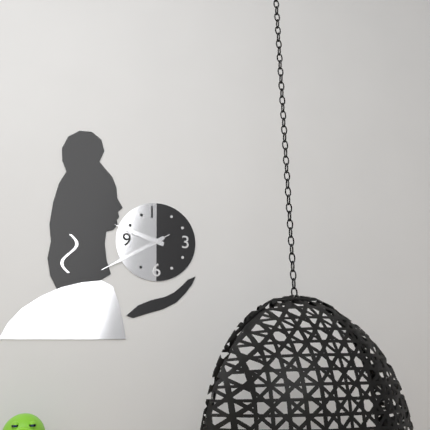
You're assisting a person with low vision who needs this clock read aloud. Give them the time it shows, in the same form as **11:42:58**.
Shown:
**9:40:40**
